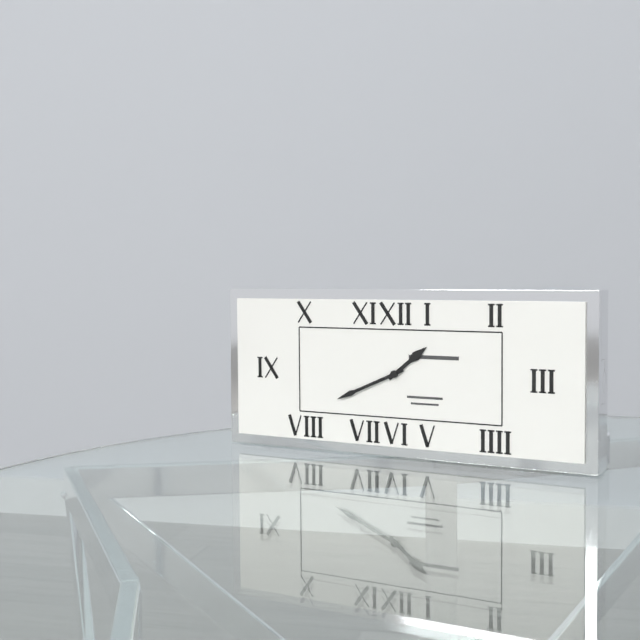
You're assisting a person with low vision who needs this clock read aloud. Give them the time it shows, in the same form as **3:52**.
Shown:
**1:41**
